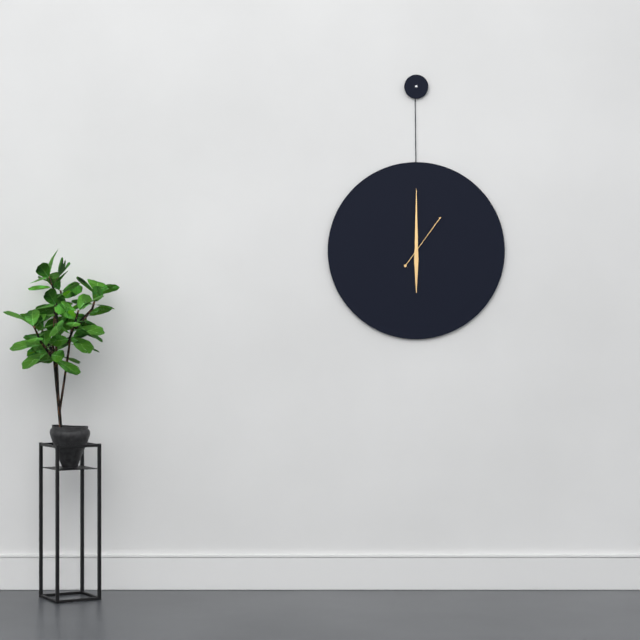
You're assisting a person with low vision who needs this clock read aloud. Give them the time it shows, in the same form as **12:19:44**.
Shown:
**6:00:06**
